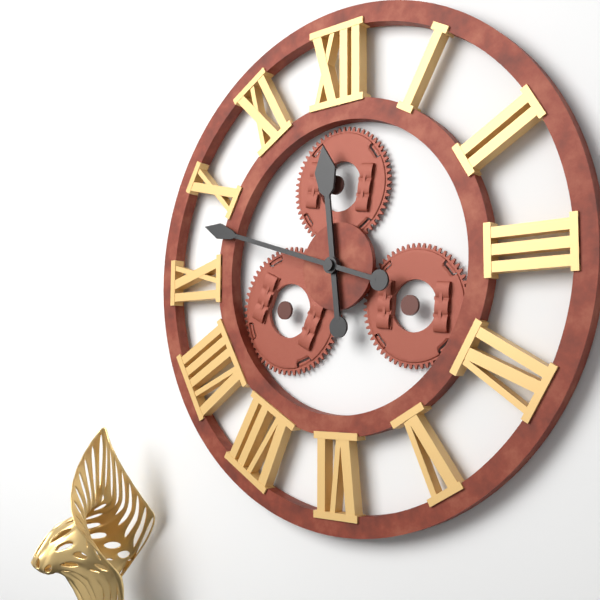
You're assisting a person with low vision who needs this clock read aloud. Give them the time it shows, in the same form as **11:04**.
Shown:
**11:48**
